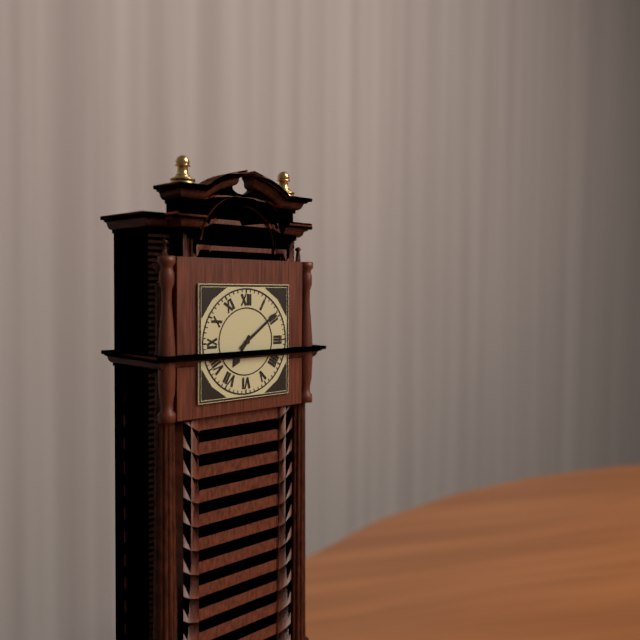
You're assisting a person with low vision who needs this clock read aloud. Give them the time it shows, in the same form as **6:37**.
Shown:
**7:09**
